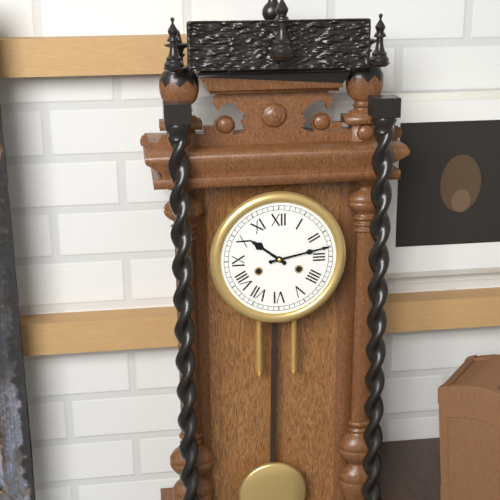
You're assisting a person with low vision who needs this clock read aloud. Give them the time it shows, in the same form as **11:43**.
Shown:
**10:13**
